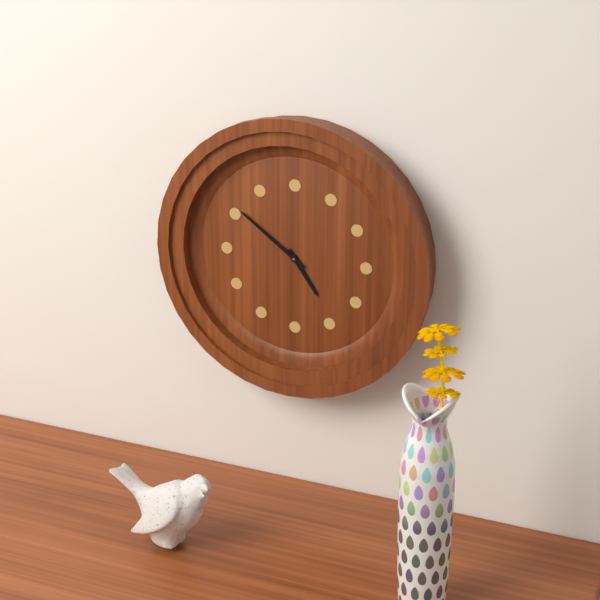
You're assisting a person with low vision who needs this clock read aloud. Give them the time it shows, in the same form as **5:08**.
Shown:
**4:51**
